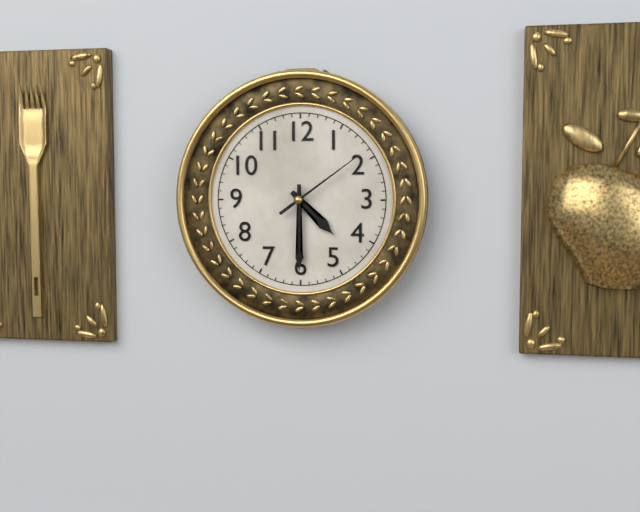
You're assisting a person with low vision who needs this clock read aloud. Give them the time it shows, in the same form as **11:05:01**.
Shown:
**4:30:09**
